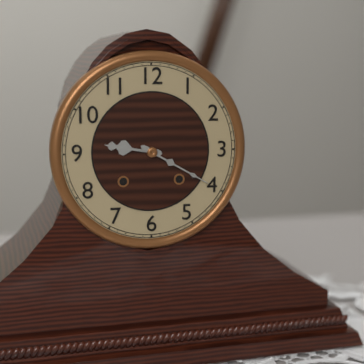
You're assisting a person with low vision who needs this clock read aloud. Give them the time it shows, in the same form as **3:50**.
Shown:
**9:20**
